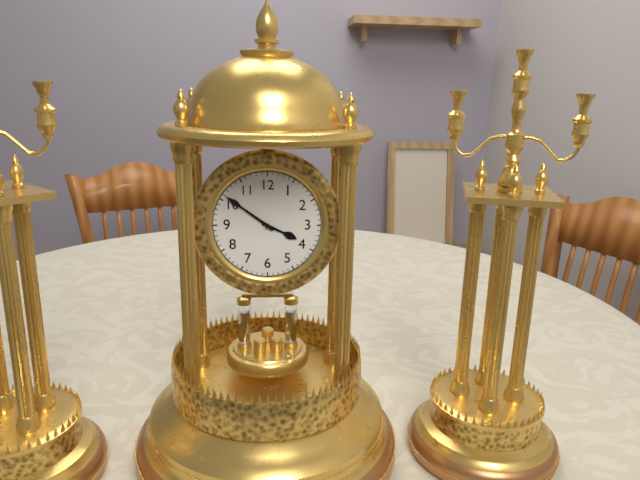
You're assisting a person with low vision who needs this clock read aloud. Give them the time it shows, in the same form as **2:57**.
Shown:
**3:51**
